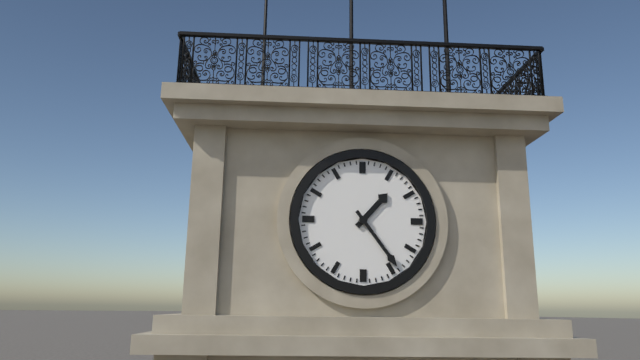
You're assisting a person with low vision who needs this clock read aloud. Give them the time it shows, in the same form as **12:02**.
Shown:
**1:24**
